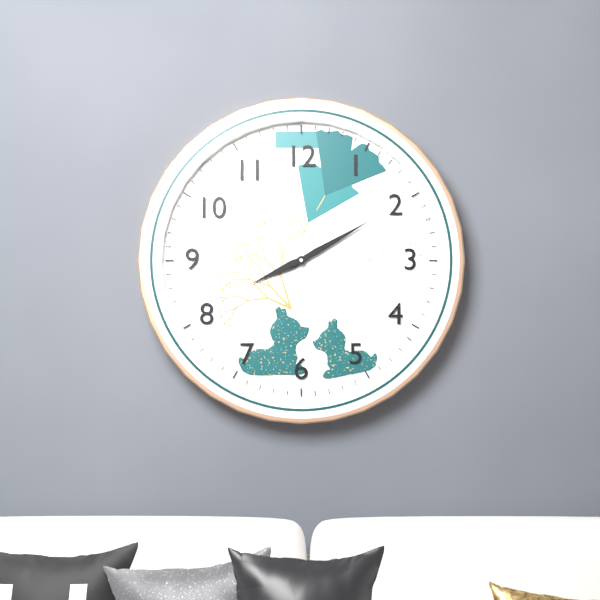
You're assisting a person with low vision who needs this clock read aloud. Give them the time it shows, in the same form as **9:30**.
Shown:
**8:10**
